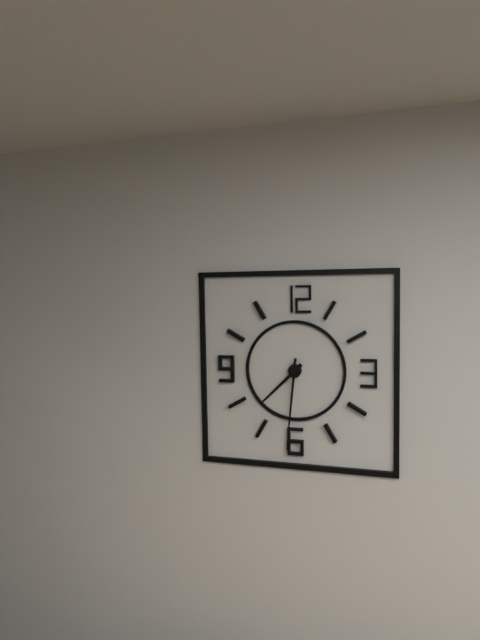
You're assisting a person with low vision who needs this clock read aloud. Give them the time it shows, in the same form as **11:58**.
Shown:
**7:31**
